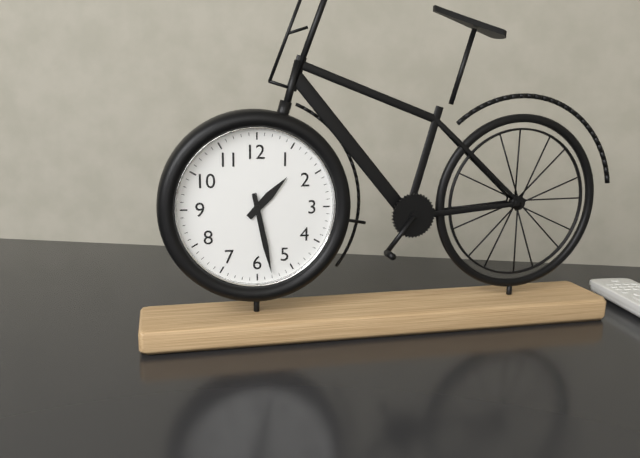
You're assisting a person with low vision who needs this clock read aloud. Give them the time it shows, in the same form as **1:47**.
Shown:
**1:28**
